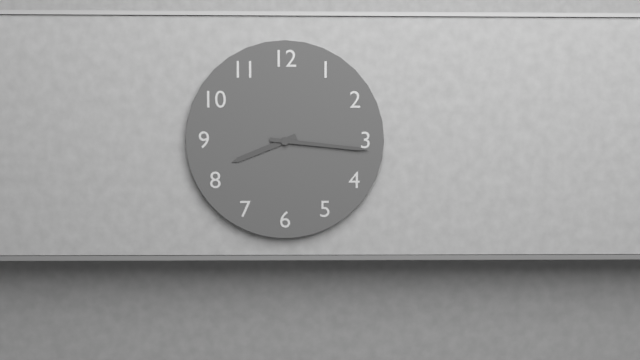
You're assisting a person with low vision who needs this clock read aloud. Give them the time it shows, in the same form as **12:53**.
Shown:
**8:16**
